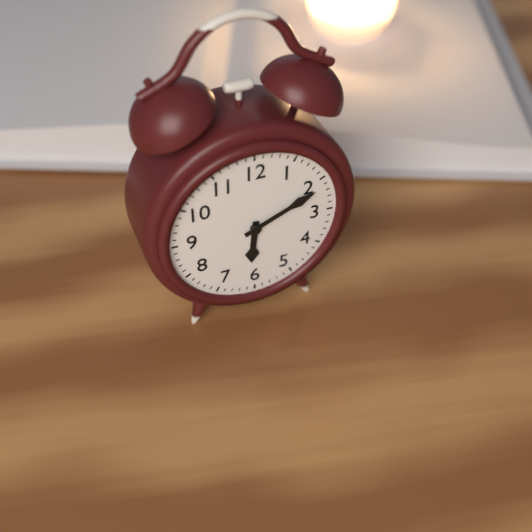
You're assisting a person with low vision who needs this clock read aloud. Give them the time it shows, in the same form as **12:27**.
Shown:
**6:11**
